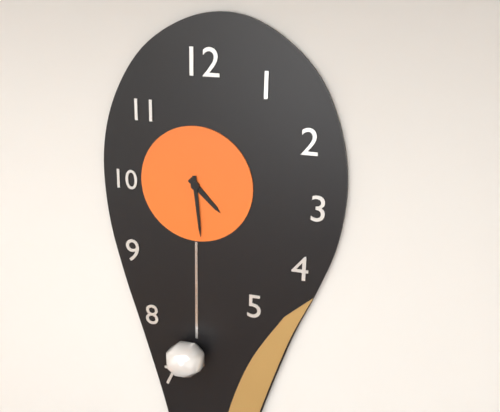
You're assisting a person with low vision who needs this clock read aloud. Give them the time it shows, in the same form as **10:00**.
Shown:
**4:29**
